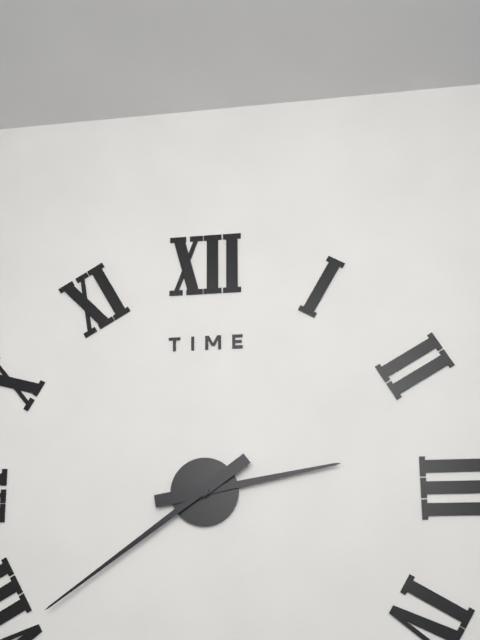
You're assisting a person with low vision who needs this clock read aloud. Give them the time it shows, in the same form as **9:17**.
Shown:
**2:39**
